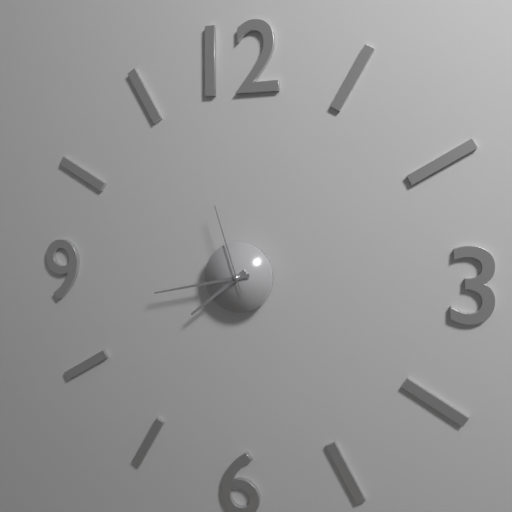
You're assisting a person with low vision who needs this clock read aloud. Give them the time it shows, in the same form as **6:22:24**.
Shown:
**7:43:57**
